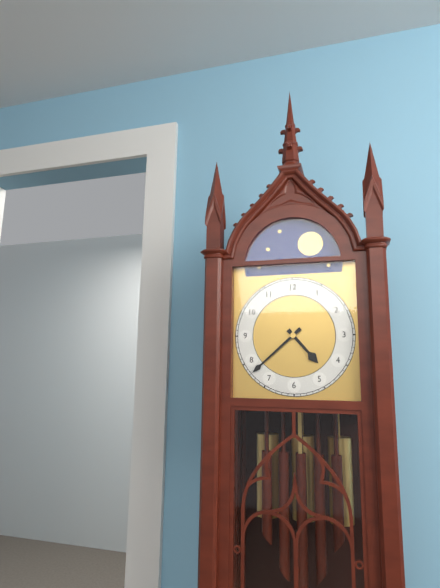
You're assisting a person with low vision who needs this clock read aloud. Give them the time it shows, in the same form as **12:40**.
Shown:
**4:38**
